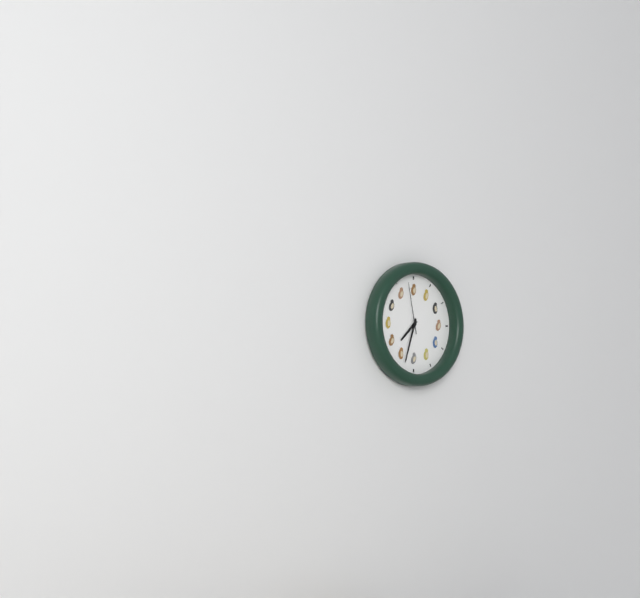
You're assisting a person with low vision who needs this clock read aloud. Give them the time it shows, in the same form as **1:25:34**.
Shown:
**7:33:58**
